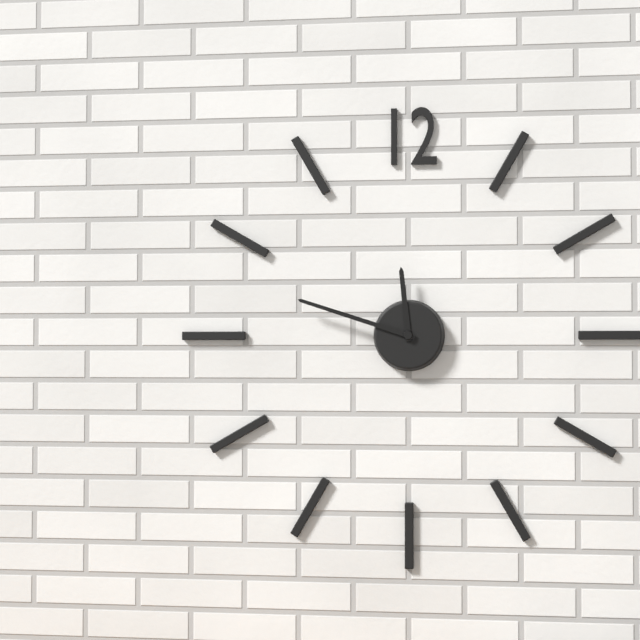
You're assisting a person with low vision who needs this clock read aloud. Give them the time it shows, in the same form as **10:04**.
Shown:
**11:48**
